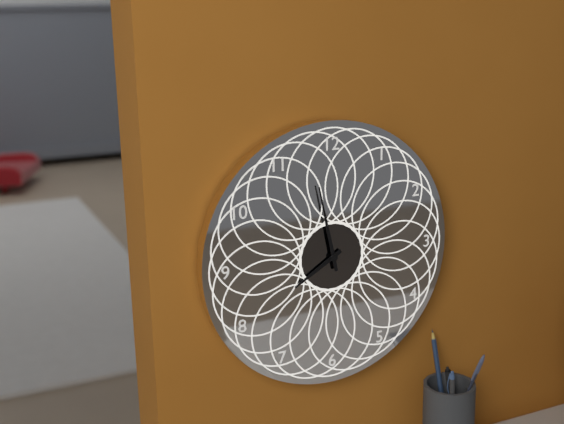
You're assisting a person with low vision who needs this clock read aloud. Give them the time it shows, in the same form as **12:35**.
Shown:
**7:58**
